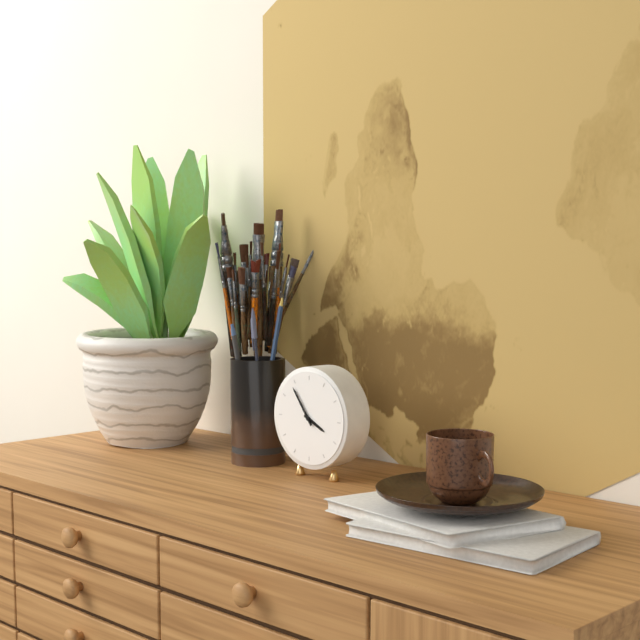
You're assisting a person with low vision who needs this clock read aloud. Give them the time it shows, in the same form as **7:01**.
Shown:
**3:54**
